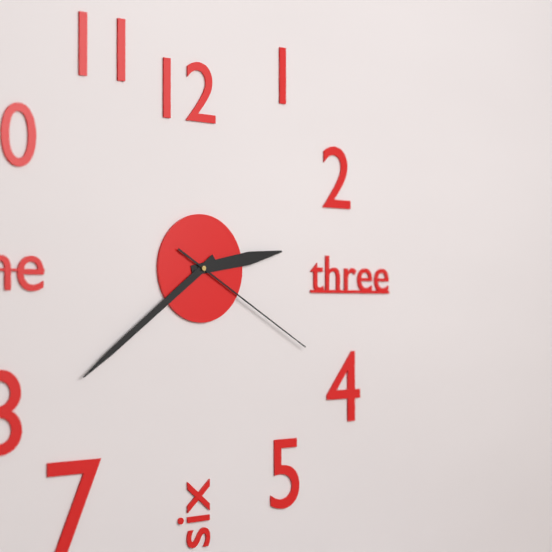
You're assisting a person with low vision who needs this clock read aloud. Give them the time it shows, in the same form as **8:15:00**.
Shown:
**2:39:20**
